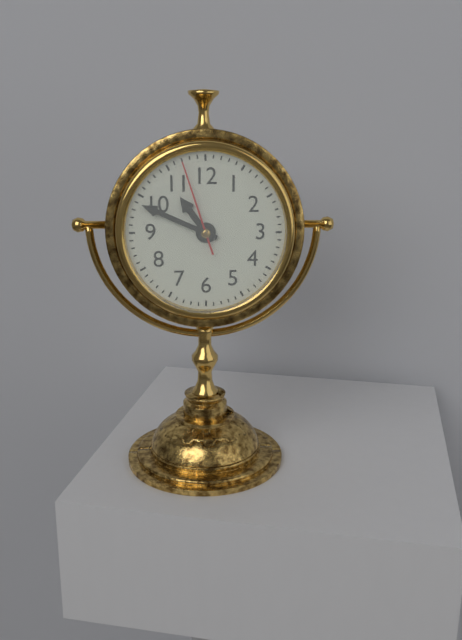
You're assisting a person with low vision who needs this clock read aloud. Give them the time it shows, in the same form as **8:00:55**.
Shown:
**10:49:57**
